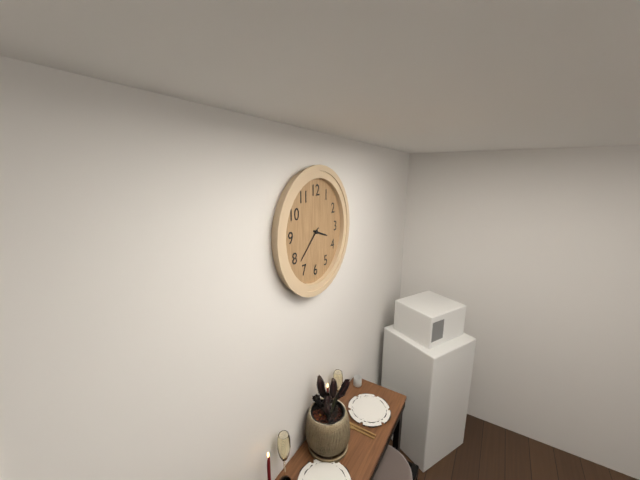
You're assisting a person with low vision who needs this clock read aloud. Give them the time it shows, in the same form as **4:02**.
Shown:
**3:38**
